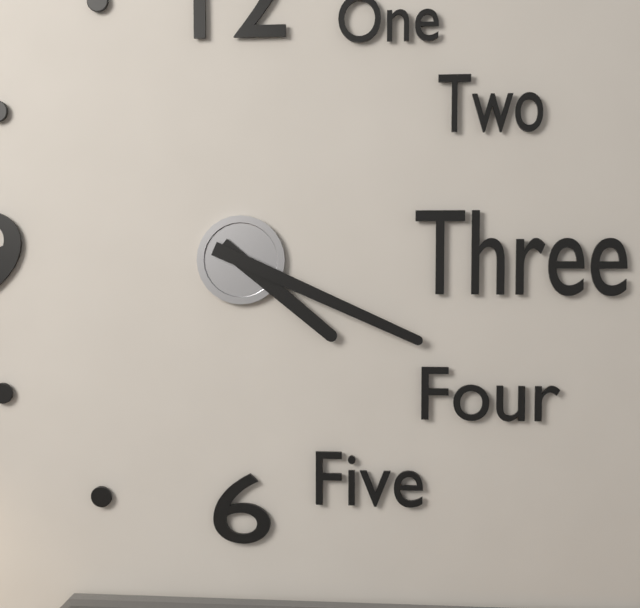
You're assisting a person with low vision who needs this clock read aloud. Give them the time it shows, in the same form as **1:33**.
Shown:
**4:19**
